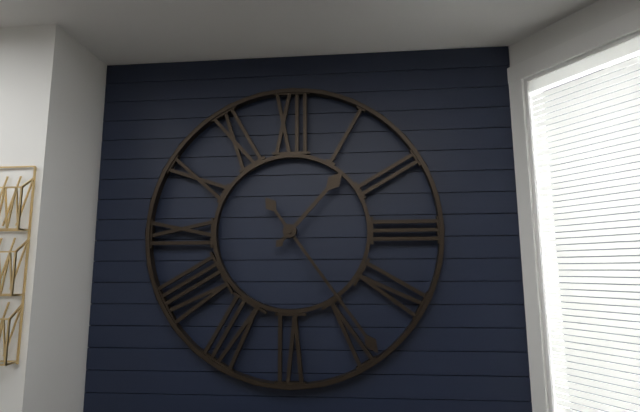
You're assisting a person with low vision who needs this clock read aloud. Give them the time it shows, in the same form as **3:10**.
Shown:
**1:24**
